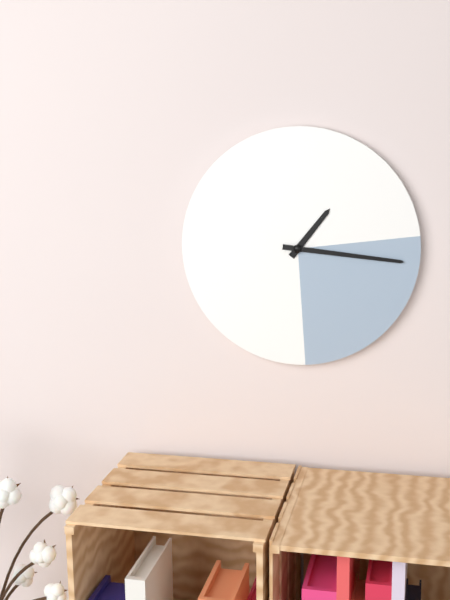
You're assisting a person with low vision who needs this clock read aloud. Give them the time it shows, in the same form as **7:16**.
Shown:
**1:16**
